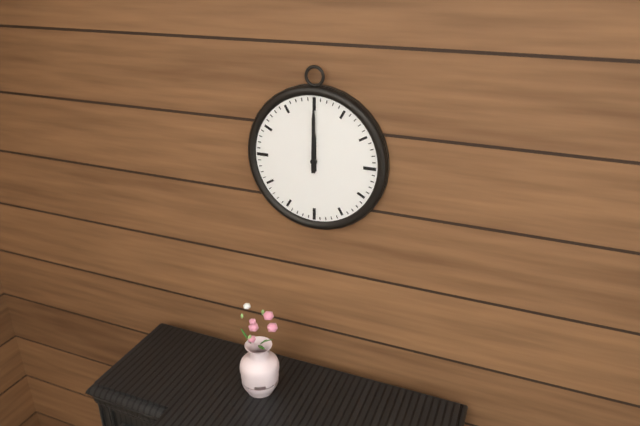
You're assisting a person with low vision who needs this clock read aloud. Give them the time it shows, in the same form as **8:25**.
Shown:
**12:00**
